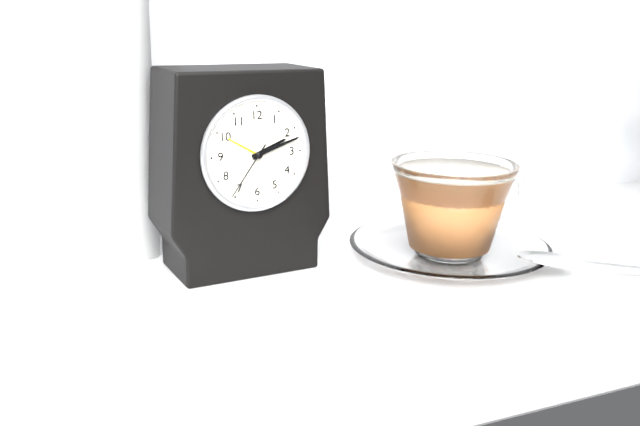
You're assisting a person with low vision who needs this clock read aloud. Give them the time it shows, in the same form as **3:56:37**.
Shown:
**2:12:36**
